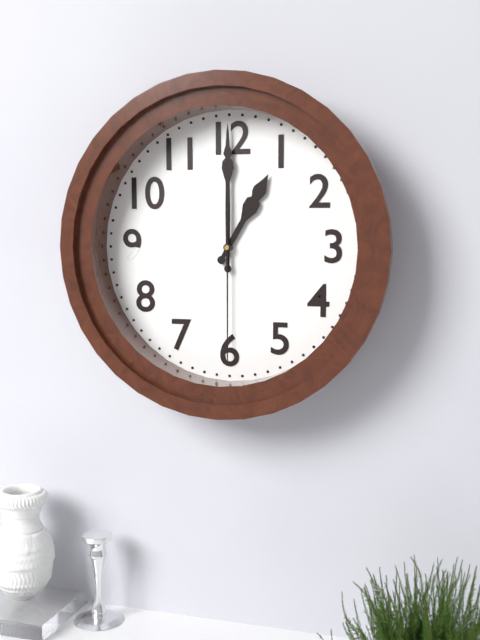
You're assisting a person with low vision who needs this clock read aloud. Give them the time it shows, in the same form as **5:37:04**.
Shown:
**1:00:30**
